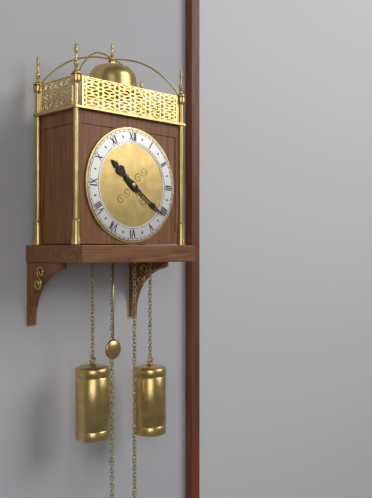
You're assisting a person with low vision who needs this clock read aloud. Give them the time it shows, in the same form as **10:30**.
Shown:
**10:21**
